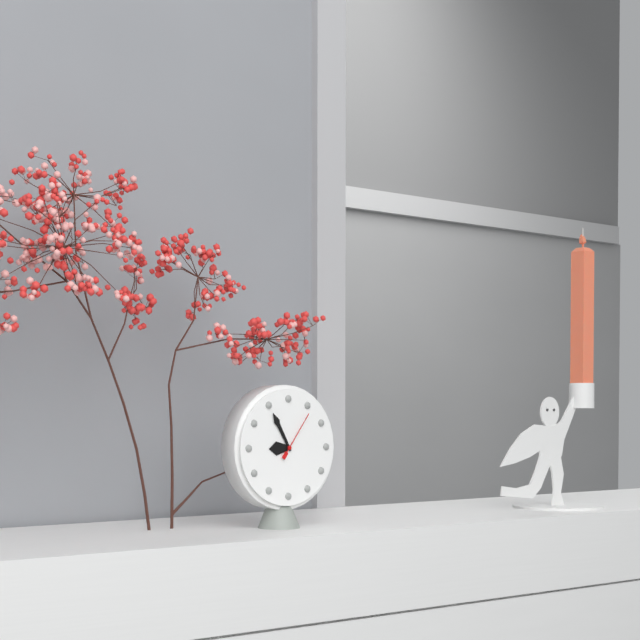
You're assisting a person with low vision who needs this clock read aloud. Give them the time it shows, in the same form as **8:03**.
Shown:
**8:55**
